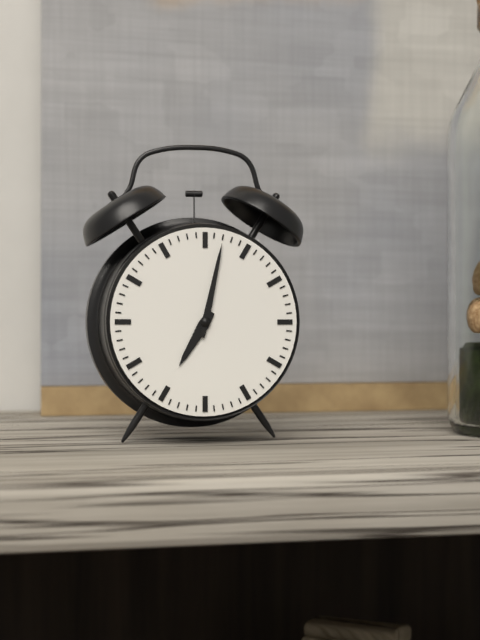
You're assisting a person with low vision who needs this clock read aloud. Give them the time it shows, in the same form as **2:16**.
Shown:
**7:02**
